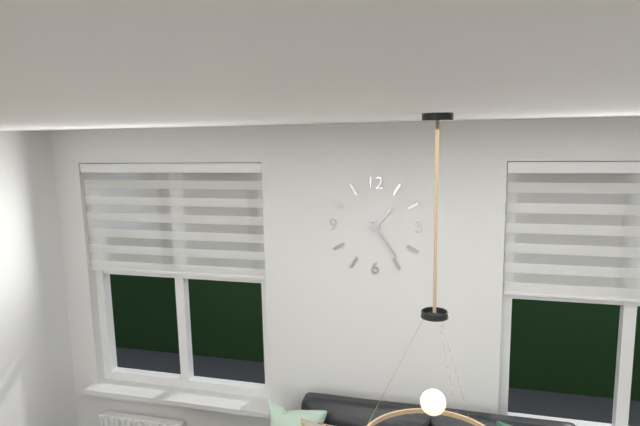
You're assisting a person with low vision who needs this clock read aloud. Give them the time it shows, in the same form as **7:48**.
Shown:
**1:24**
